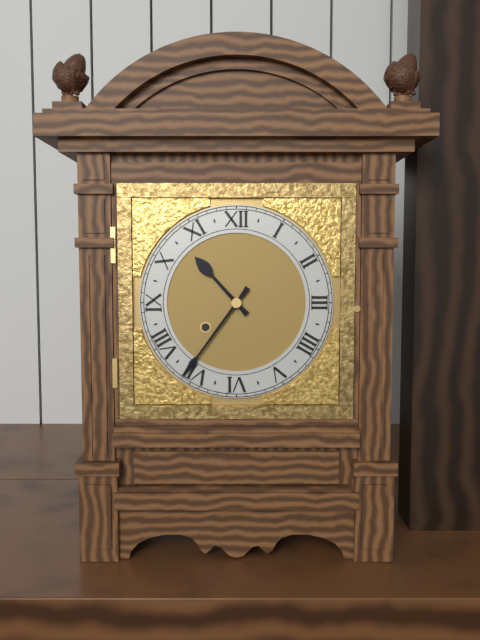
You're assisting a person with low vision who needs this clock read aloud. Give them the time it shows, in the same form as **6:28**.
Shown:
**10:36**
